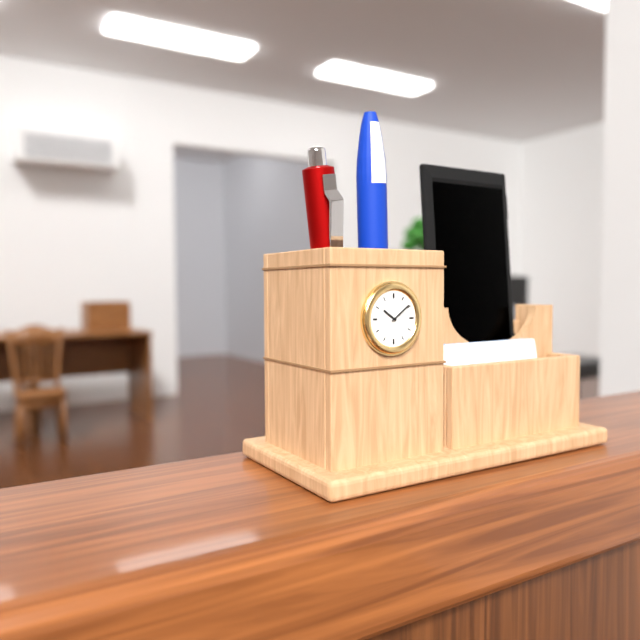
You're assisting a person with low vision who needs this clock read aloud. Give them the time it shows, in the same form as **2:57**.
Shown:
**10:09**
